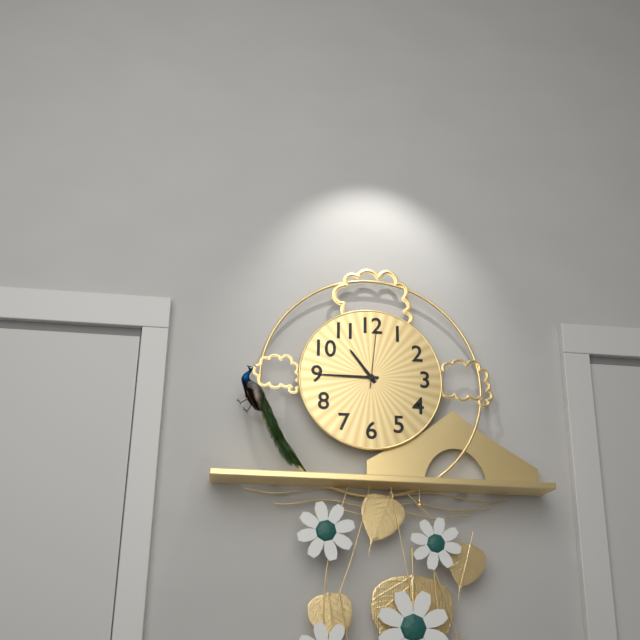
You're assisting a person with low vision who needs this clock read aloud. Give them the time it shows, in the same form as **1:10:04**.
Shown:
**10:45:01**
